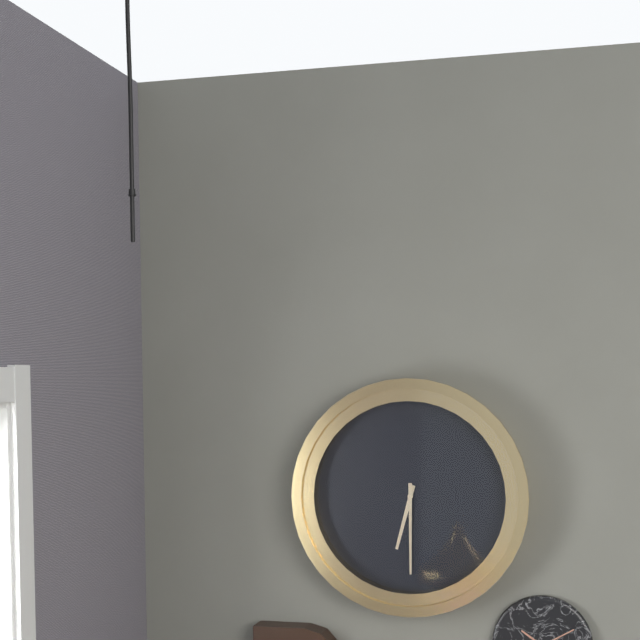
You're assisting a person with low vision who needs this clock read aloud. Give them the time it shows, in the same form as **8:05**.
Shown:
**6:30**
